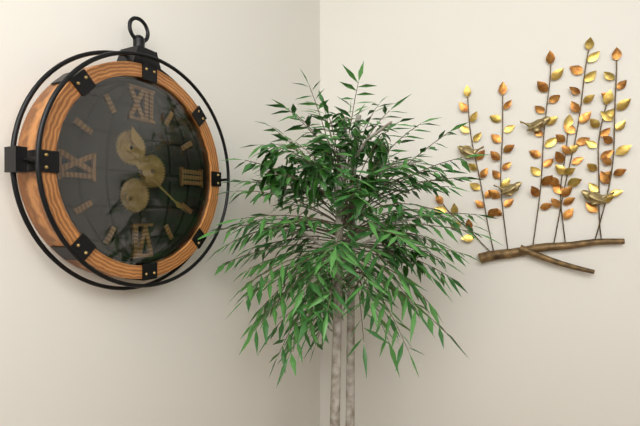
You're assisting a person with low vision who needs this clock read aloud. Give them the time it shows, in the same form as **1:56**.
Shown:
**11:21**
